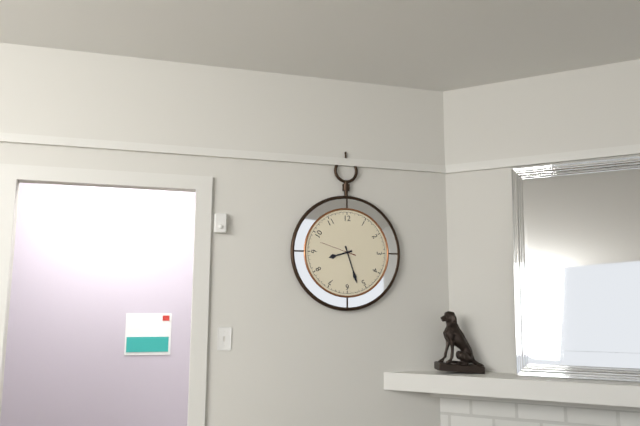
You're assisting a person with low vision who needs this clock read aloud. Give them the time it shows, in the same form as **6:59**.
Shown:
**8:27**
